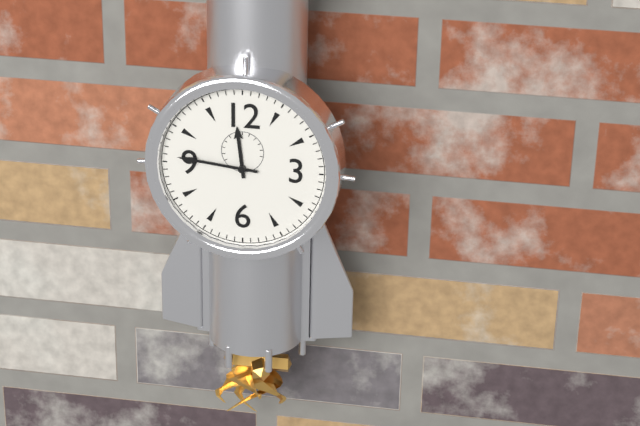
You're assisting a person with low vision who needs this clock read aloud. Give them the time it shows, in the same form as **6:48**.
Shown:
**11:46**
